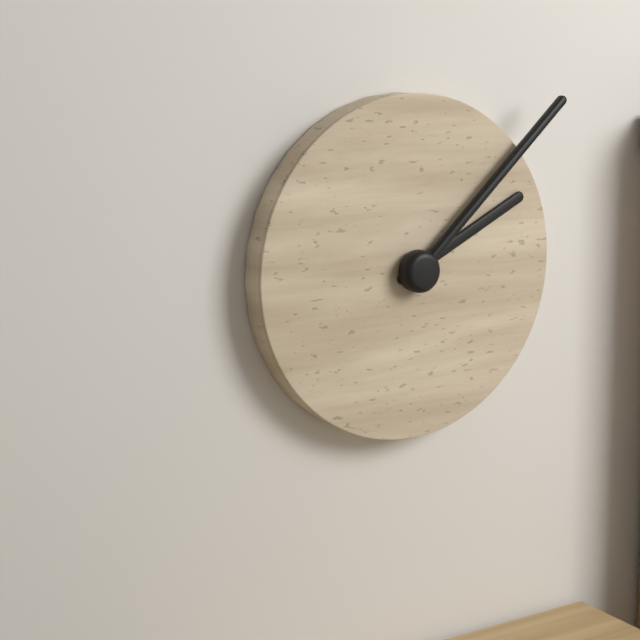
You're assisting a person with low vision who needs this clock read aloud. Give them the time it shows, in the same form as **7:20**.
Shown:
**2:08**
